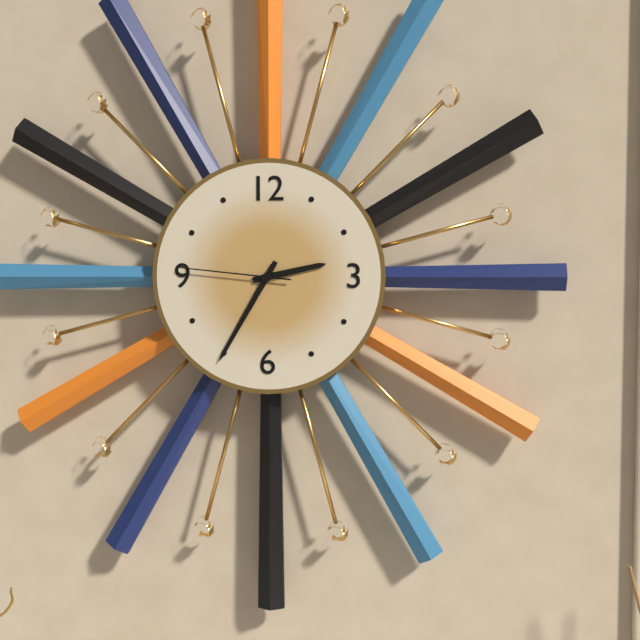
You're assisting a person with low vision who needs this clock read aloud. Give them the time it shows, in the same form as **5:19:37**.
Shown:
**2:35:46**
